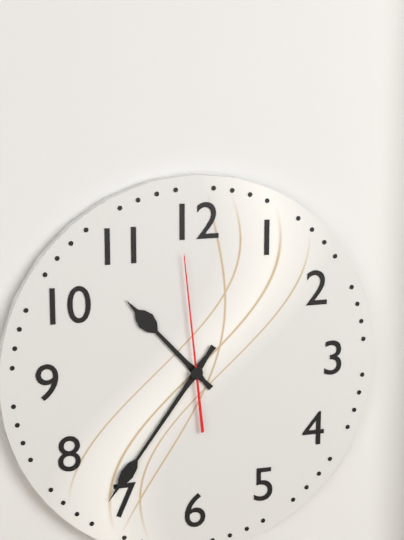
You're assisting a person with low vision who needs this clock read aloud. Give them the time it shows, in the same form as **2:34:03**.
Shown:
**10:36:59**
